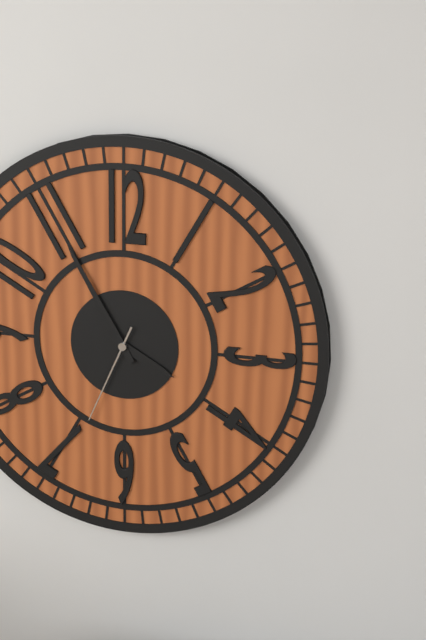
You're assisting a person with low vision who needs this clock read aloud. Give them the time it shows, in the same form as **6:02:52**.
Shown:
**3:55:34**
